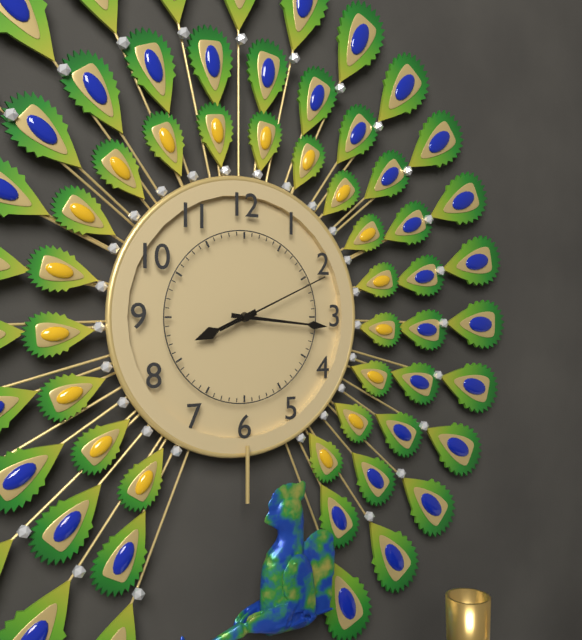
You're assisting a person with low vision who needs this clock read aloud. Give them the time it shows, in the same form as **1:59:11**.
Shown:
**8:16:11**
